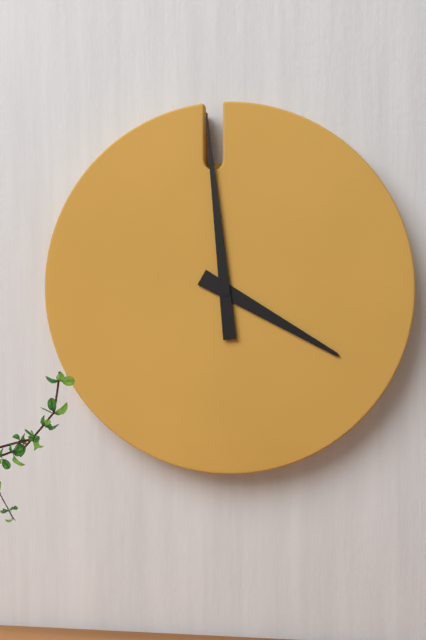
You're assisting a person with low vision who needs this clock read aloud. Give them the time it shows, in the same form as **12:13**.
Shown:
**3:59**
